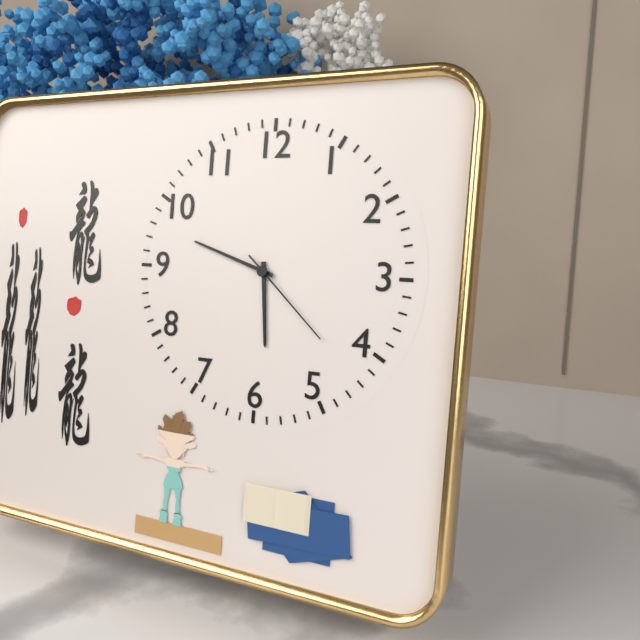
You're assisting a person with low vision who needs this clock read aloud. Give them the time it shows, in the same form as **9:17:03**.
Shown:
**5:48:22**
